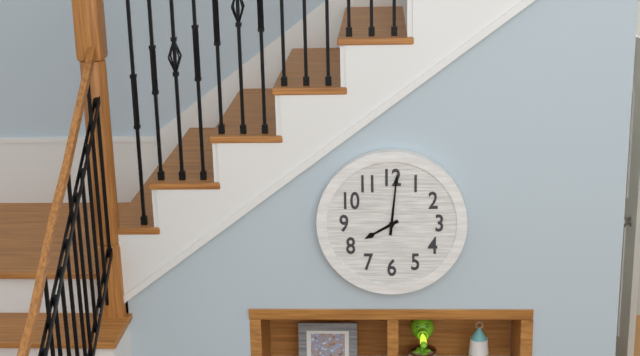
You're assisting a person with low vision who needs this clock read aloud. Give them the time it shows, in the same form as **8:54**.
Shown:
**8:01**
